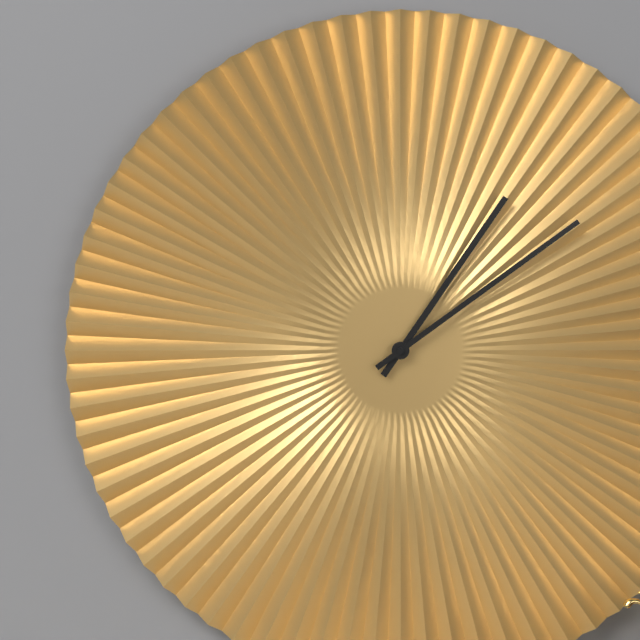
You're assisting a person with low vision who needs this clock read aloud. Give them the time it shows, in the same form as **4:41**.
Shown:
**1:09**
